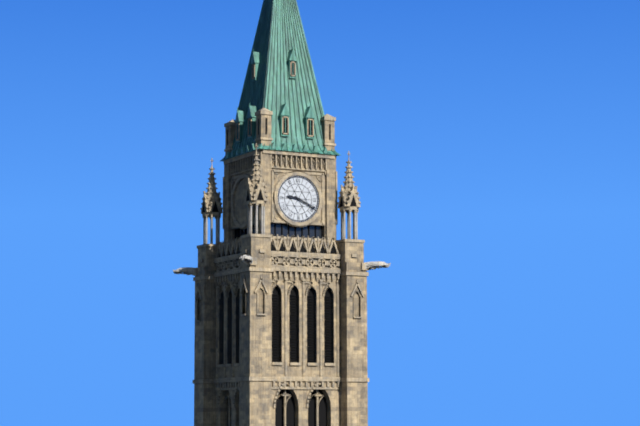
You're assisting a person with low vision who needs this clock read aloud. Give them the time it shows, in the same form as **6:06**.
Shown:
**9:19**
